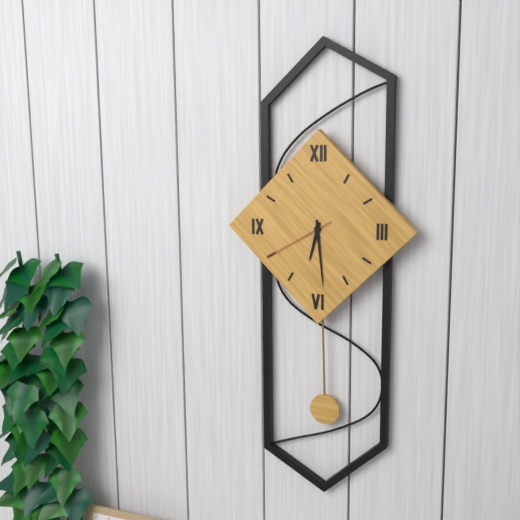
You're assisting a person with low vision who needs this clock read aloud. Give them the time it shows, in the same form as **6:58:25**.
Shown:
**6:29:40**
